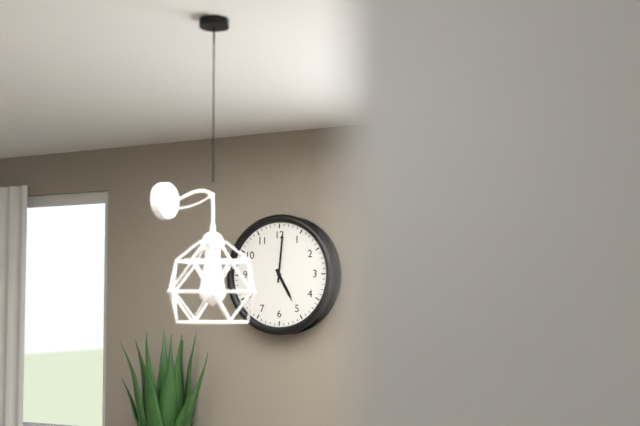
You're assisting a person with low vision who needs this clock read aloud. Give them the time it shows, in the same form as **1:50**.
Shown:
**5:01**
